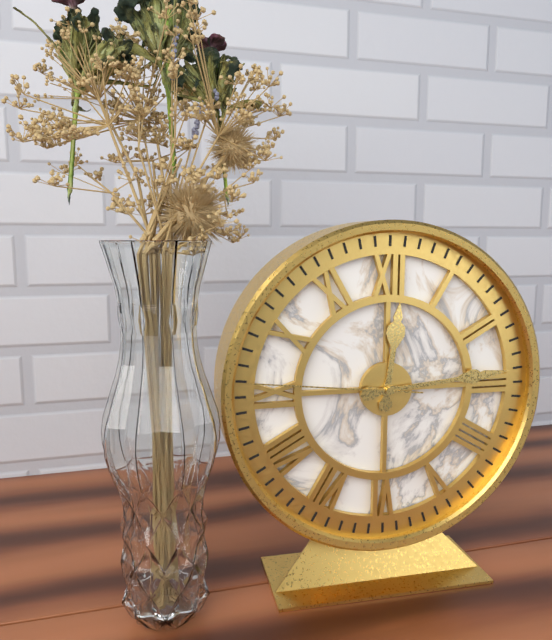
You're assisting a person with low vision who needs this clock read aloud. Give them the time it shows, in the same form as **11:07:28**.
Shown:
**12:14:46**
